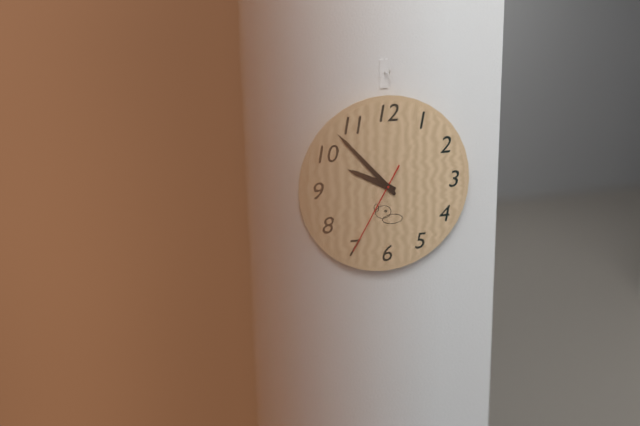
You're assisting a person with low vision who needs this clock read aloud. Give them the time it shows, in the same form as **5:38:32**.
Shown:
**9:53:35**
